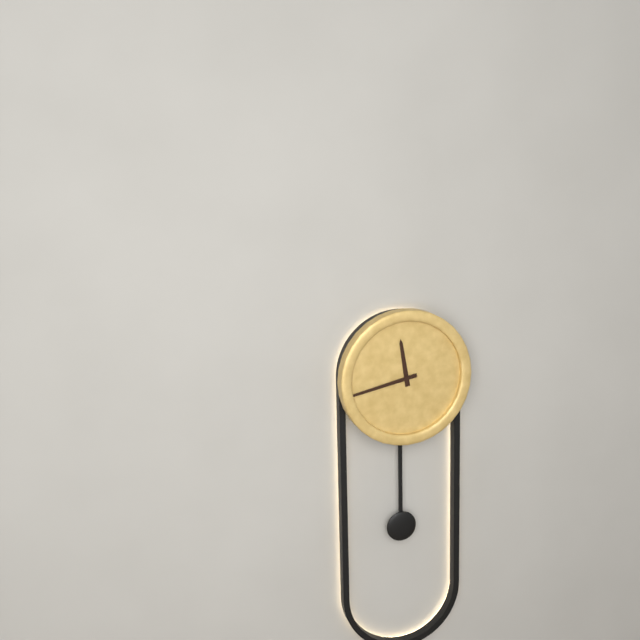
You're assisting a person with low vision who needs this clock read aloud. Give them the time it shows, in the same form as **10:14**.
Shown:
**11:43**
